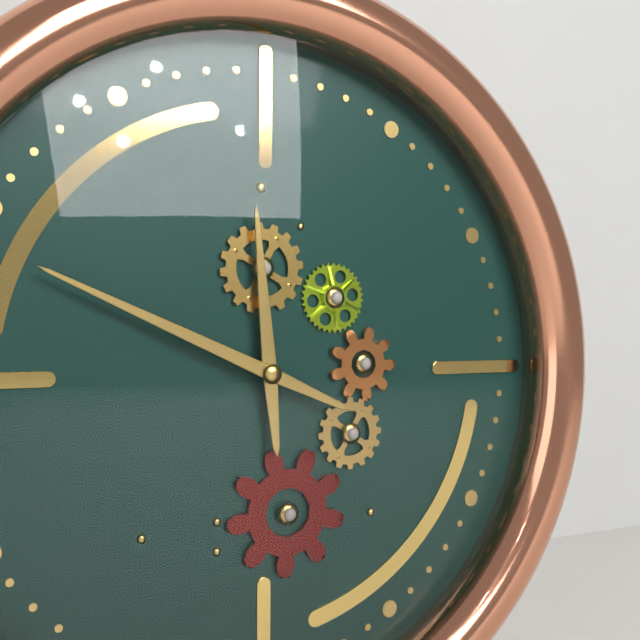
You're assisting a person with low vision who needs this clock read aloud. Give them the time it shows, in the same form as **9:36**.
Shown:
**11:49**
